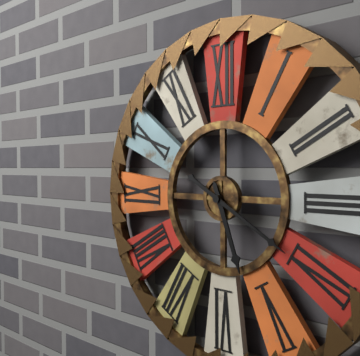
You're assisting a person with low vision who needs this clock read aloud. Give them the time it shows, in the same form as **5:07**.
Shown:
**5:20**
